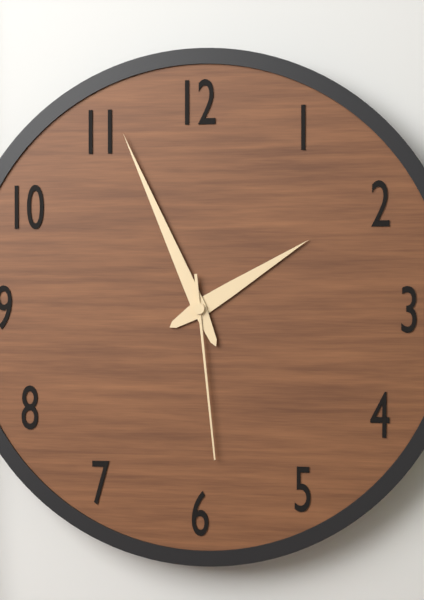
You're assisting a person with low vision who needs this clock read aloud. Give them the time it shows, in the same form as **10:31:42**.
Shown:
**1:56:29**
